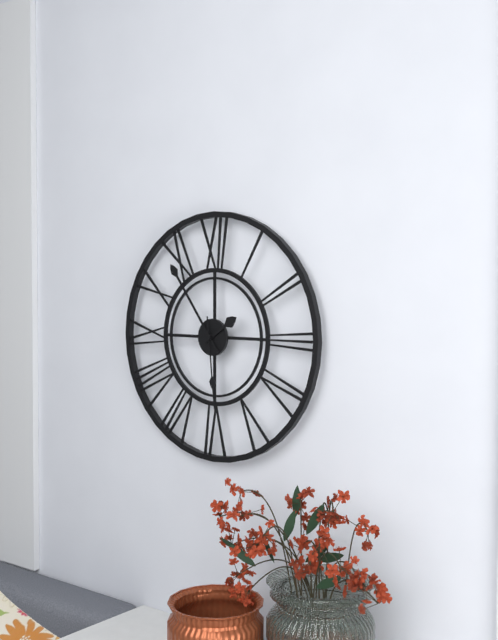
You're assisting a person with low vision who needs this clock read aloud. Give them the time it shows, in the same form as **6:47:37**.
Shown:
**1:54:29**
